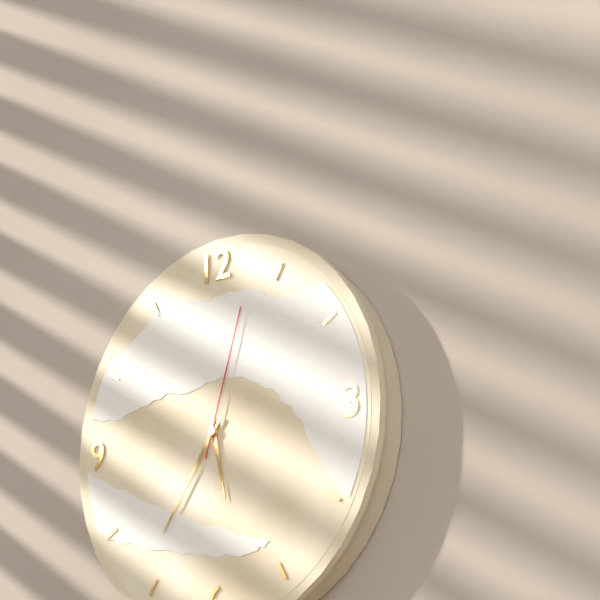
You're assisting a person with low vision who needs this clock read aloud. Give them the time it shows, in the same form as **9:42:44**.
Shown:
**5:36:03**
